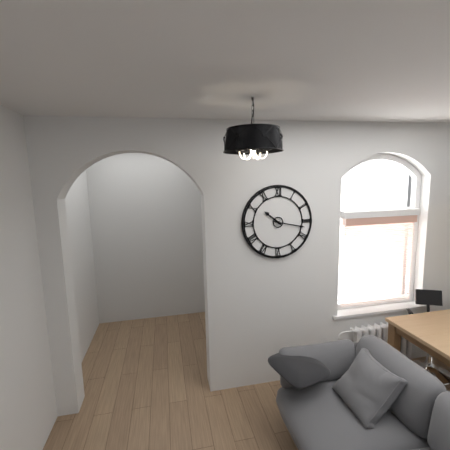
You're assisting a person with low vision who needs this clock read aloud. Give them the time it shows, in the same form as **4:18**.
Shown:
**10:17**
